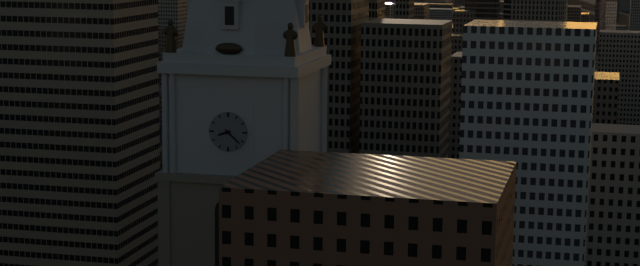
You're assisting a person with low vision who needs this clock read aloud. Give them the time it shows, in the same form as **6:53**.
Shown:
**8:22**
